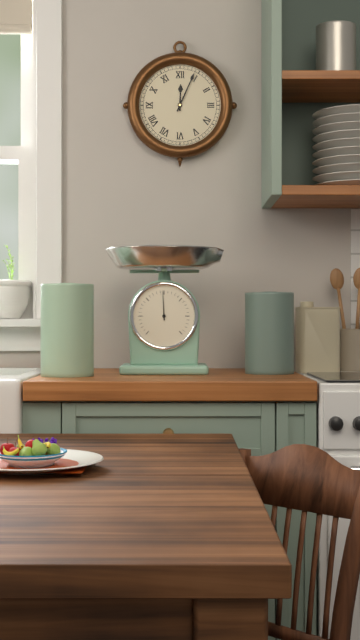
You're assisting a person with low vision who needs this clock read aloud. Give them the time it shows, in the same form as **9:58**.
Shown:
**12:04**
